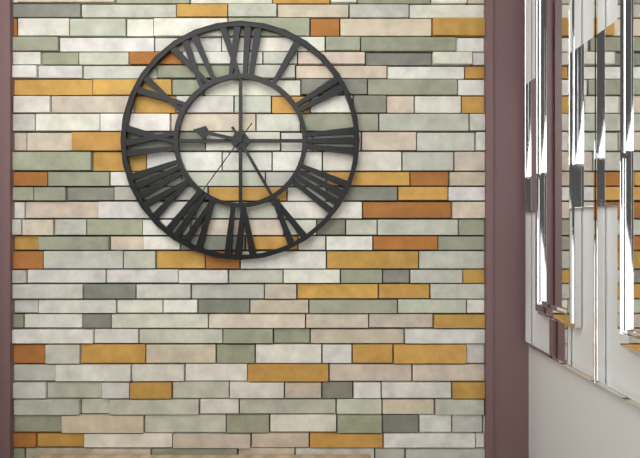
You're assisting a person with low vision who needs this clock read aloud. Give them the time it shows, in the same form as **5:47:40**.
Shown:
**9:25:36**
